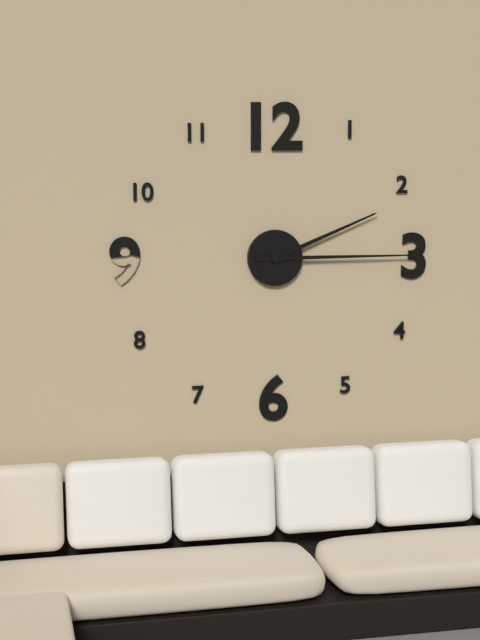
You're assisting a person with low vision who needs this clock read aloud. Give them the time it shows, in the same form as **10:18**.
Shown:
**2:15**
